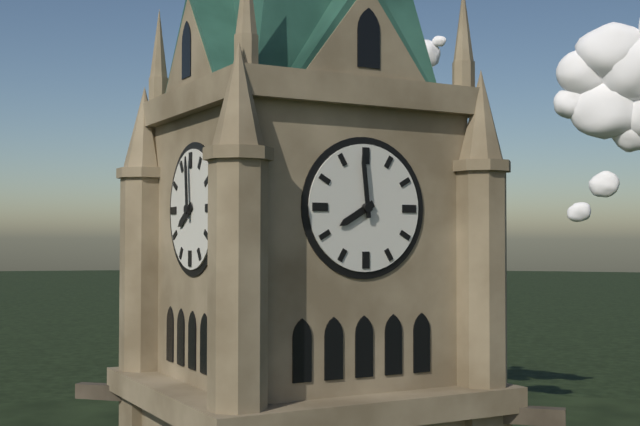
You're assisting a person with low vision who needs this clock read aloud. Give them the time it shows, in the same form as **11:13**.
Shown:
**7:59**
